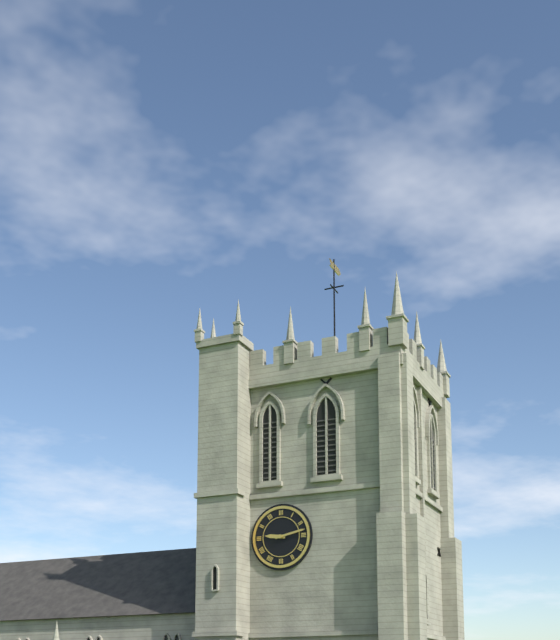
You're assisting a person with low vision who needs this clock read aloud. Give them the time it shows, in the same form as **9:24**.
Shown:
**9:13**
